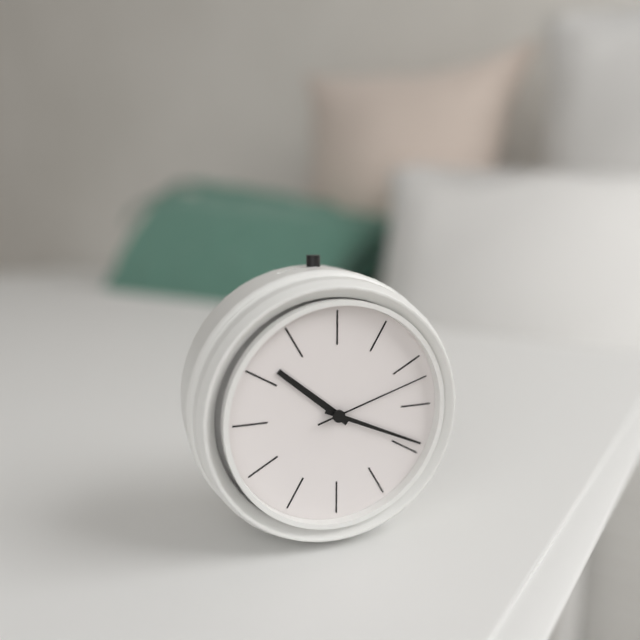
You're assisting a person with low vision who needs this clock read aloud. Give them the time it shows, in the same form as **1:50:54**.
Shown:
**10:19:12**
